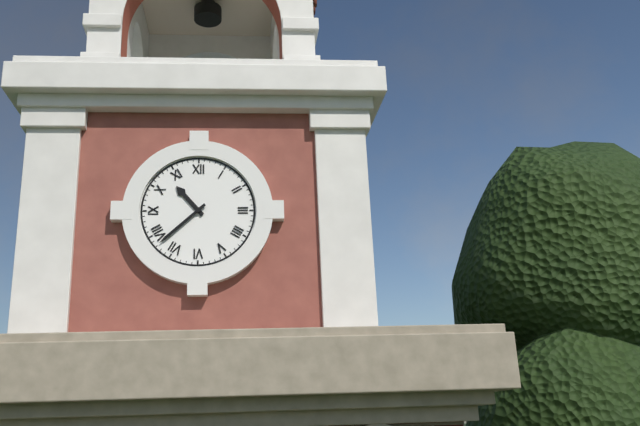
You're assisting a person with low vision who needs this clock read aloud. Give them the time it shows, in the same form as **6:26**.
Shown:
**10:38**
